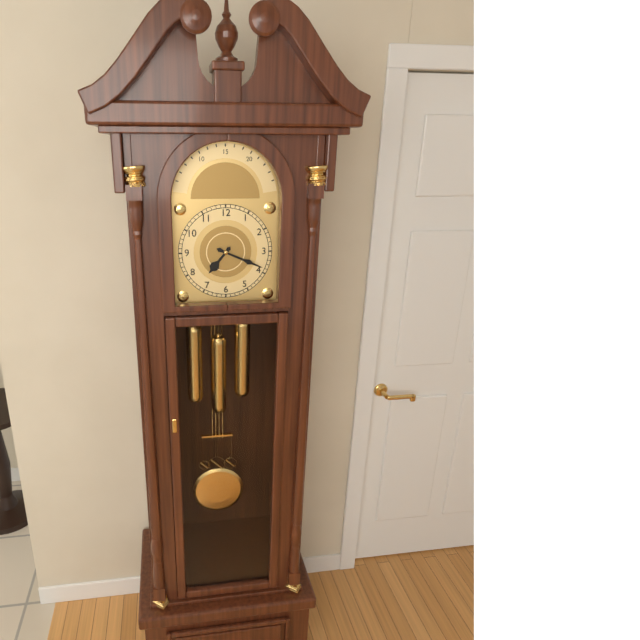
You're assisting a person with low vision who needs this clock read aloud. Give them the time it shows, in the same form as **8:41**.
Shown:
**7:19**
